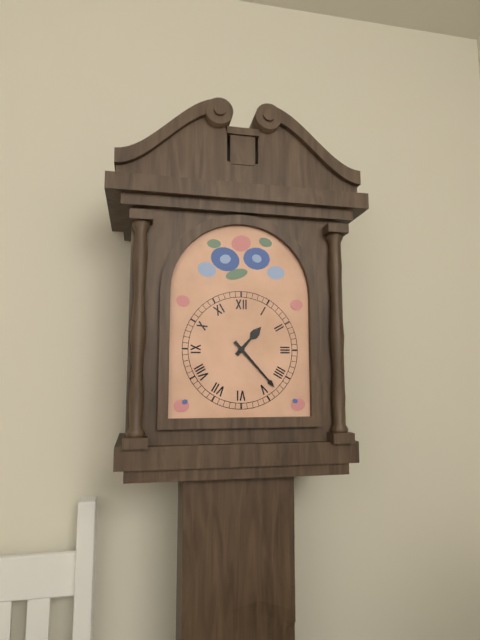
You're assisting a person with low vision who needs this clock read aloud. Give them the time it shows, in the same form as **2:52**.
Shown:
**1:23**
